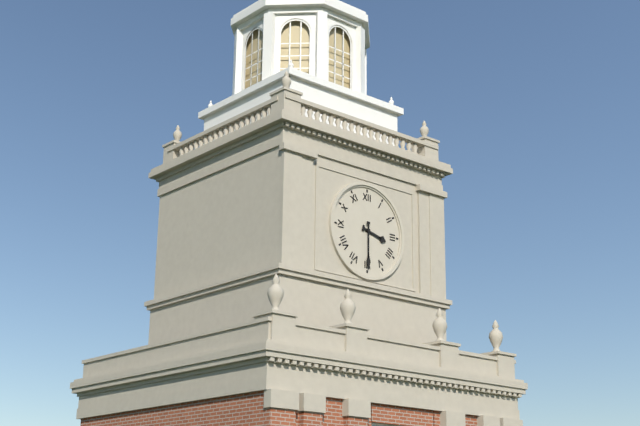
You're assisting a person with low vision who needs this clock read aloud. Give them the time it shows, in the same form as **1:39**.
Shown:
**3:30**
